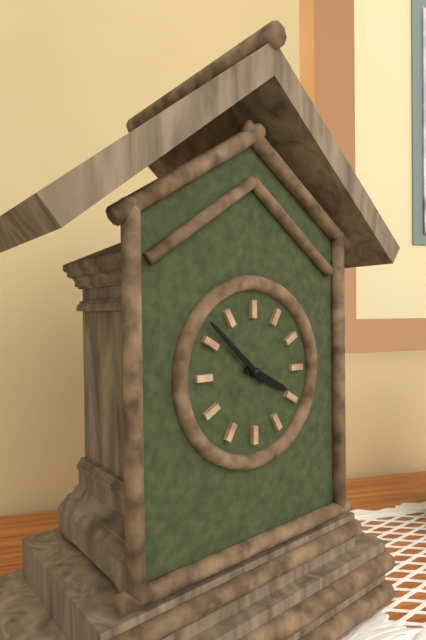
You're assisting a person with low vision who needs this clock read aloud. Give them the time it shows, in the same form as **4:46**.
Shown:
**3:52**
